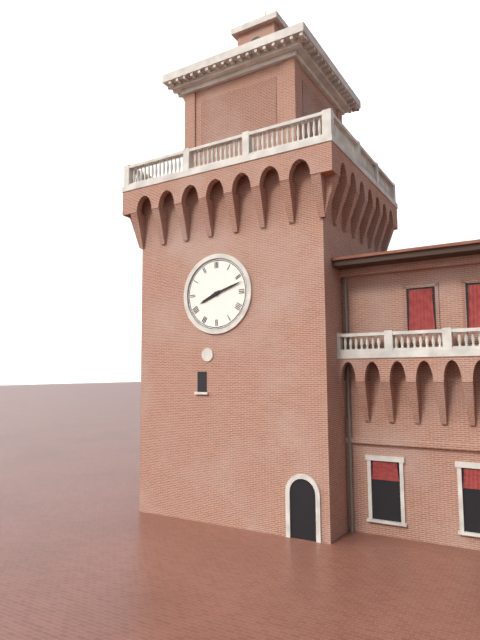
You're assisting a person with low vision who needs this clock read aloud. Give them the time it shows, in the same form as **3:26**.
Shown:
**8:12**
